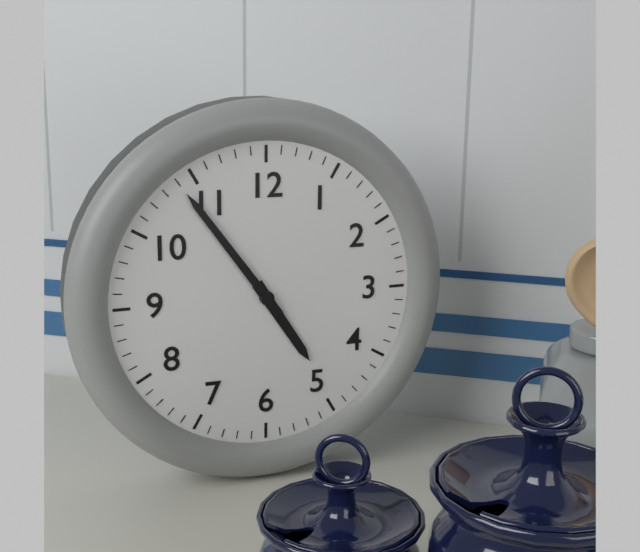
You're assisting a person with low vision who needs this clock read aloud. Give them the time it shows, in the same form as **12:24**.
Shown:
**4:54**
